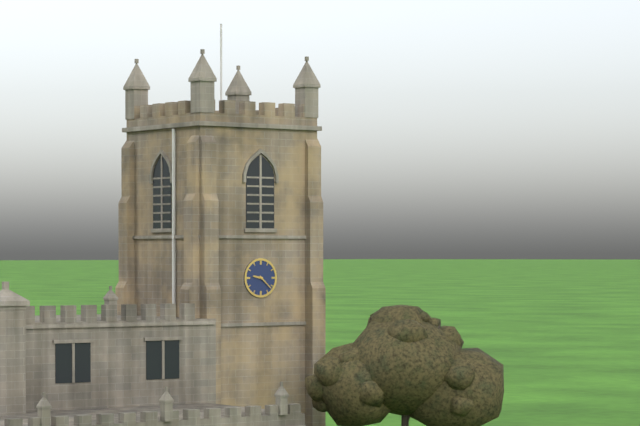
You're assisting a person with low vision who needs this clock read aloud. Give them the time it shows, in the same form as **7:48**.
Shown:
**9:22**
